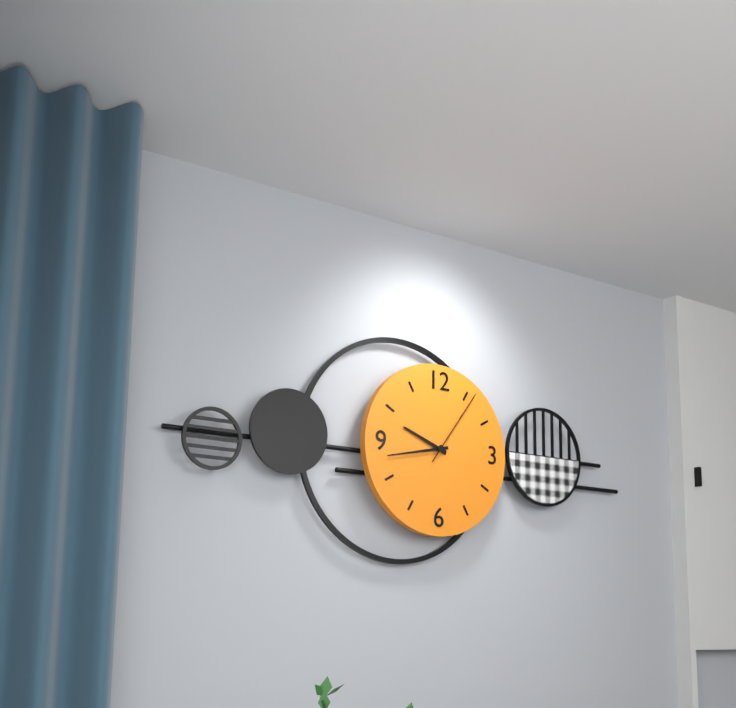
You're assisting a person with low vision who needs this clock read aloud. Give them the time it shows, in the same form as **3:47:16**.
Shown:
**9:43:06**
